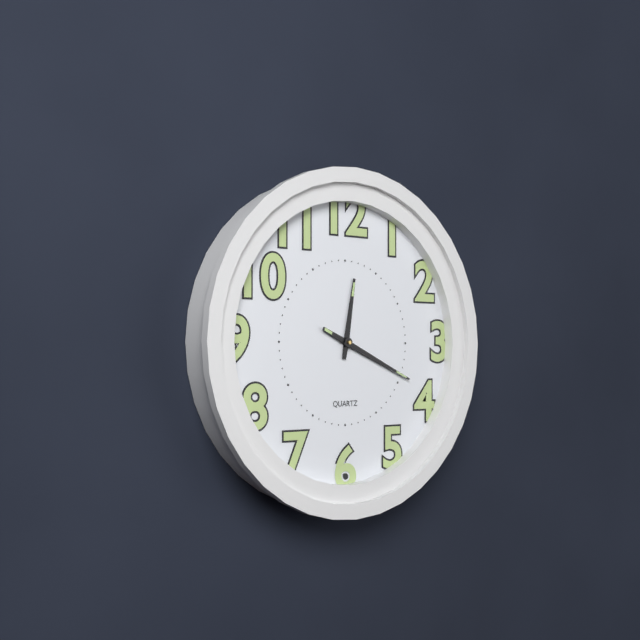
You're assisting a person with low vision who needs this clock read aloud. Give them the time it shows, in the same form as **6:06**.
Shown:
**12:19**
